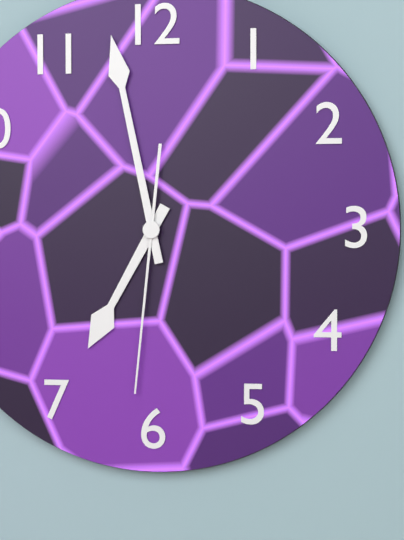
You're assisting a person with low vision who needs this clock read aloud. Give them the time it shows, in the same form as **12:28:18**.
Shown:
**6:58:31**
